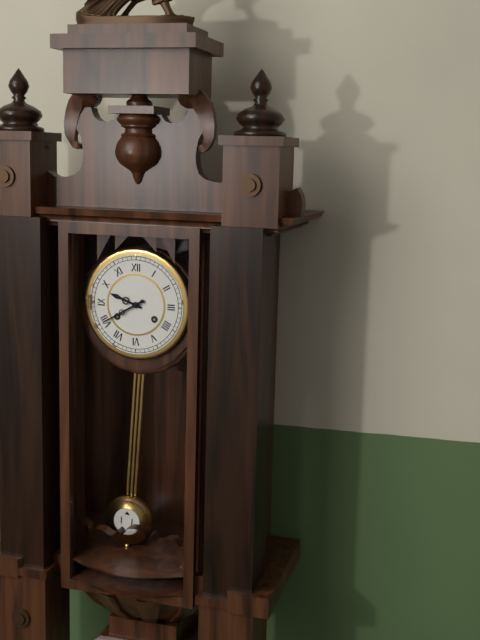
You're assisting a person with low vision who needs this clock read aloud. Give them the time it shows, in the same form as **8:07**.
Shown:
**9:40**
